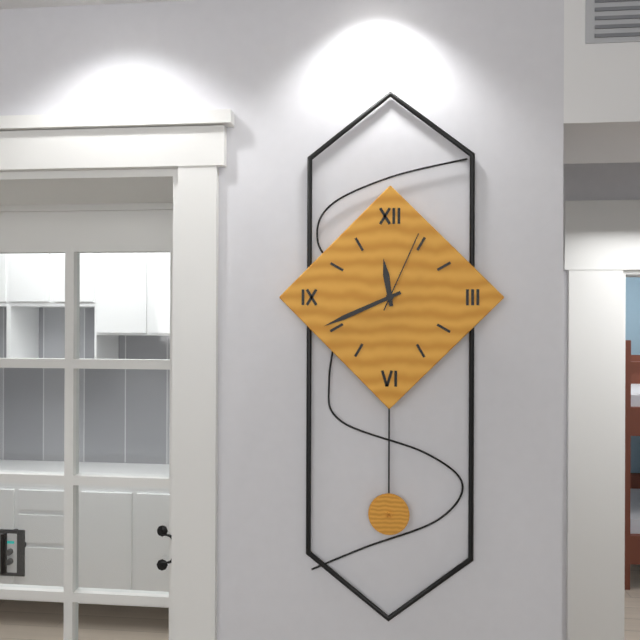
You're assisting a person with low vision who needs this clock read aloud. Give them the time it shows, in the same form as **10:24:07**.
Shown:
**11:41:04**
